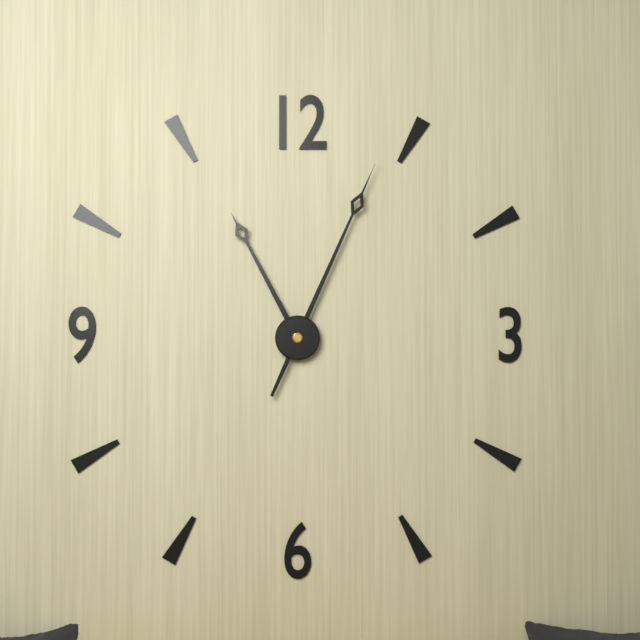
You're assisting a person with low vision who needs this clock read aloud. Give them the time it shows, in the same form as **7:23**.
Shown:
**11:04**
